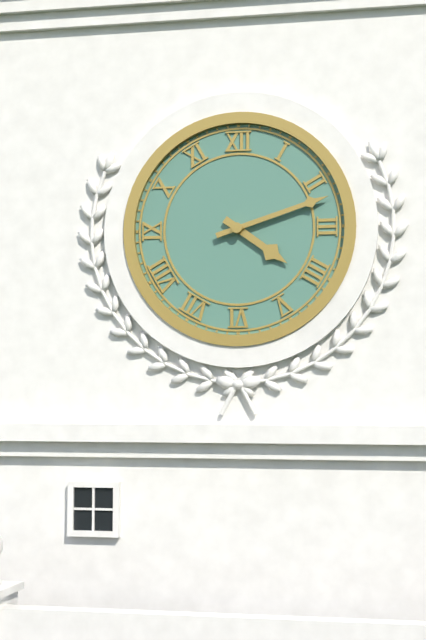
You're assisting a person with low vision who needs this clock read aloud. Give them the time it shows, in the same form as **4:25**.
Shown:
**4:12**
